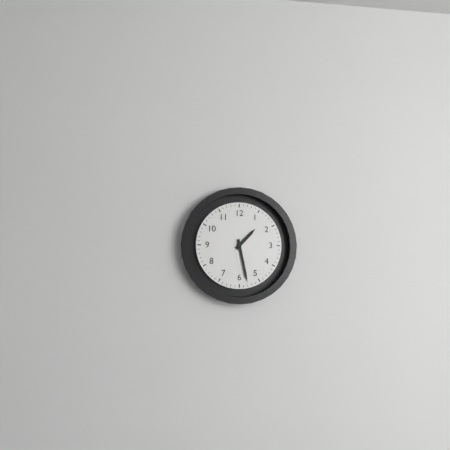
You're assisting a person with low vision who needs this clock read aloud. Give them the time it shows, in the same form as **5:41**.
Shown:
**1:28**
